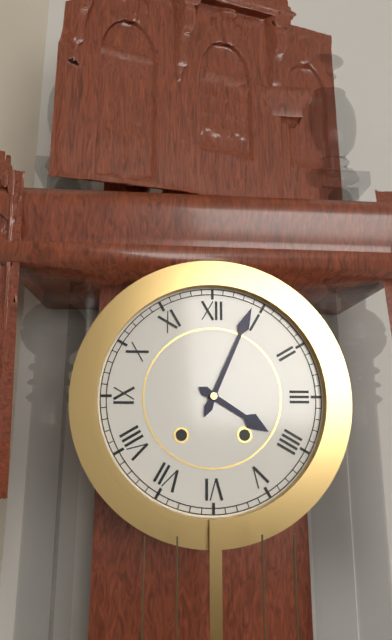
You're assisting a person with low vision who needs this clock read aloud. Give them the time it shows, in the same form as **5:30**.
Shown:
**4:04**
